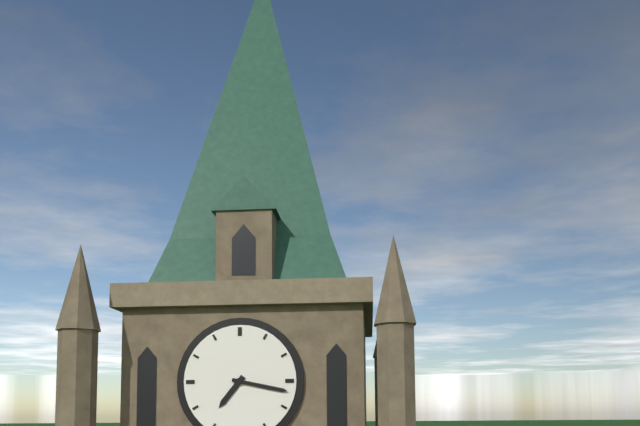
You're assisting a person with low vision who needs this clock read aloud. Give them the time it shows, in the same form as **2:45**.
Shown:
**7:17**
